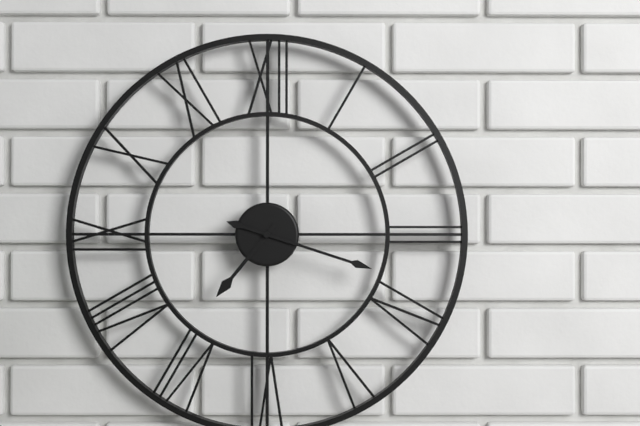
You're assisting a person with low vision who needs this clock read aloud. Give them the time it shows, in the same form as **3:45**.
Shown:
**7:18**
